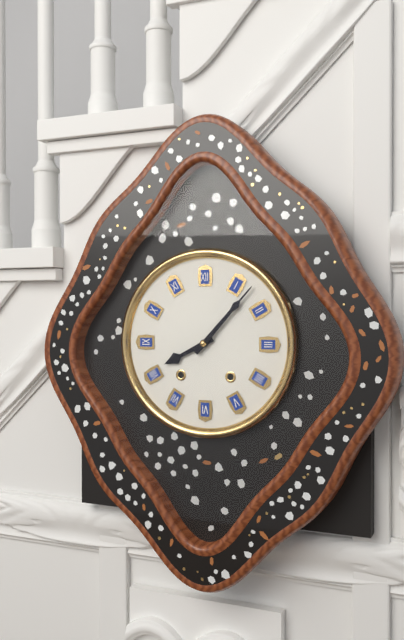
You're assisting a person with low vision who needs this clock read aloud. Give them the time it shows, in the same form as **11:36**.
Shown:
**8:07**
